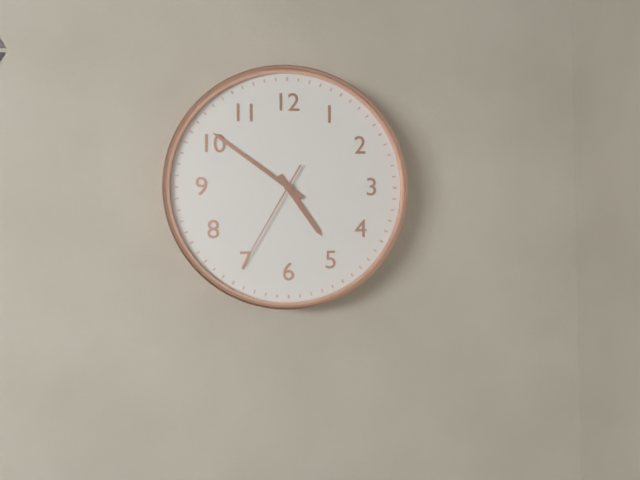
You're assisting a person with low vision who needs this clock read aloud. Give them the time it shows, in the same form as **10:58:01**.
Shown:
**4:51:35**
